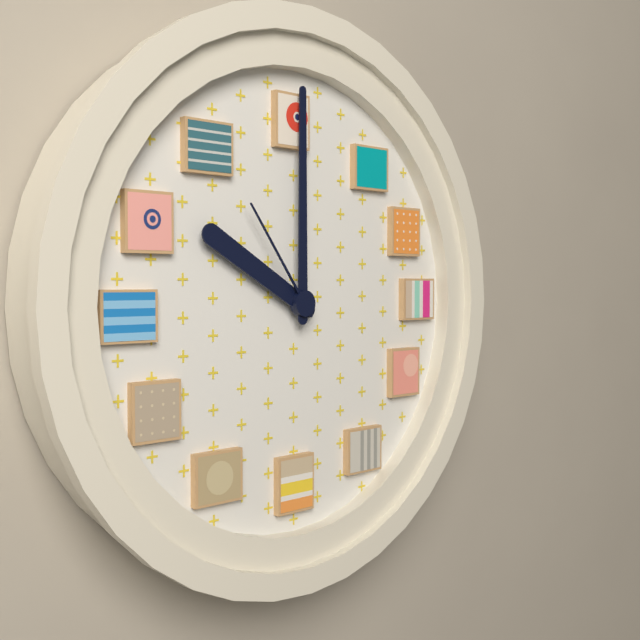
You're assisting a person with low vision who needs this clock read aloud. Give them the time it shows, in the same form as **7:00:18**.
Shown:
**10:00:54**
